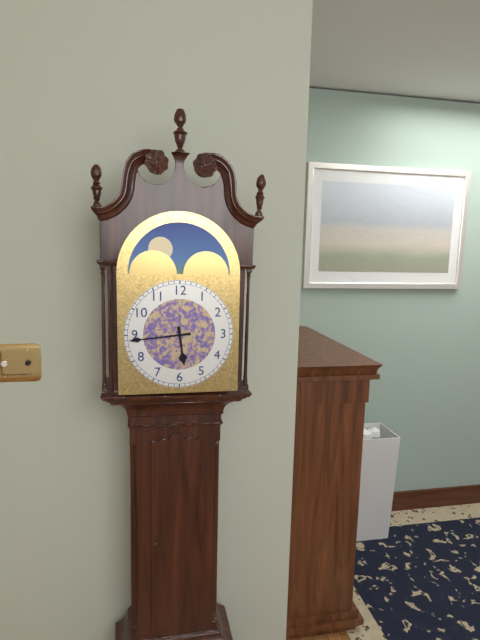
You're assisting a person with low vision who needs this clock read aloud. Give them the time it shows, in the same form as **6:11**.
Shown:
**5:44**
